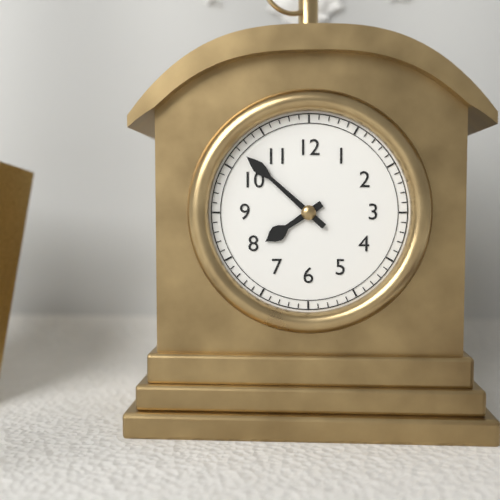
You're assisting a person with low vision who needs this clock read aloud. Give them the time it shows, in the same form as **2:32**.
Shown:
**7:52**
